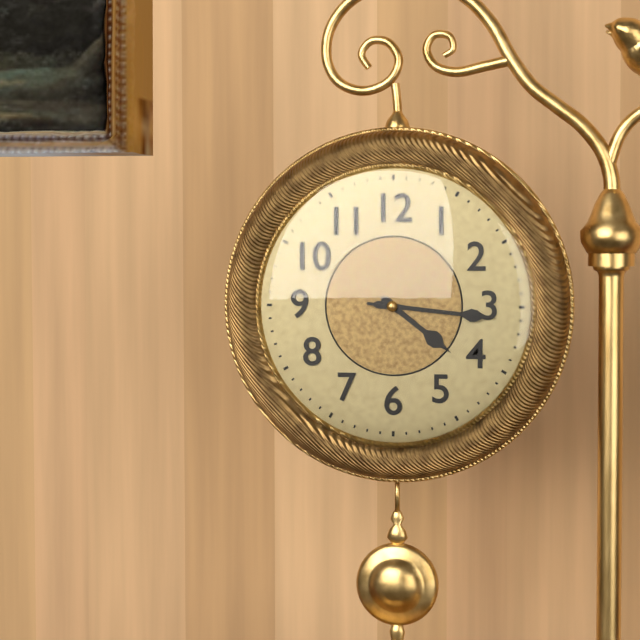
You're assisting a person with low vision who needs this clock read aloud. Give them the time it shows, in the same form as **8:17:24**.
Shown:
**4:16:16**
